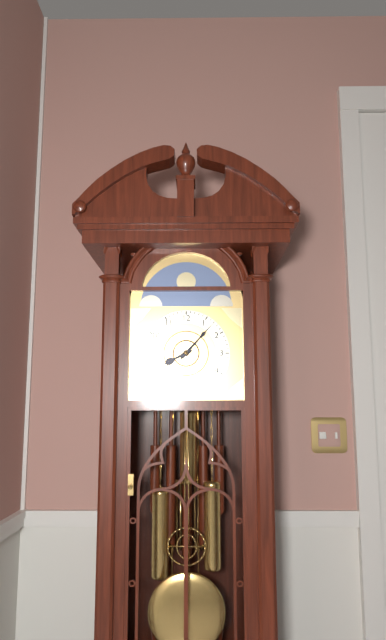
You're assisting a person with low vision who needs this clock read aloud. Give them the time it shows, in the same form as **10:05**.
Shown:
**8:07**
